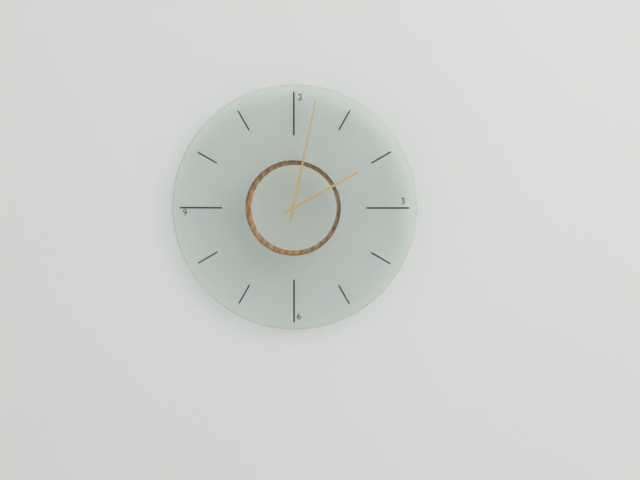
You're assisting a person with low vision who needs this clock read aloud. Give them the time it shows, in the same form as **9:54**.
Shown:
**2:02**
